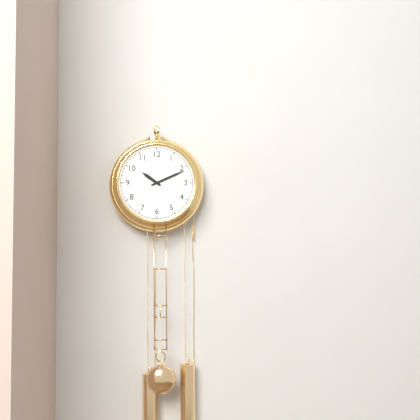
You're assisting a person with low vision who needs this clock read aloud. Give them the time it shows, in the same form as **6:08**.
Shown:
**10:11**
